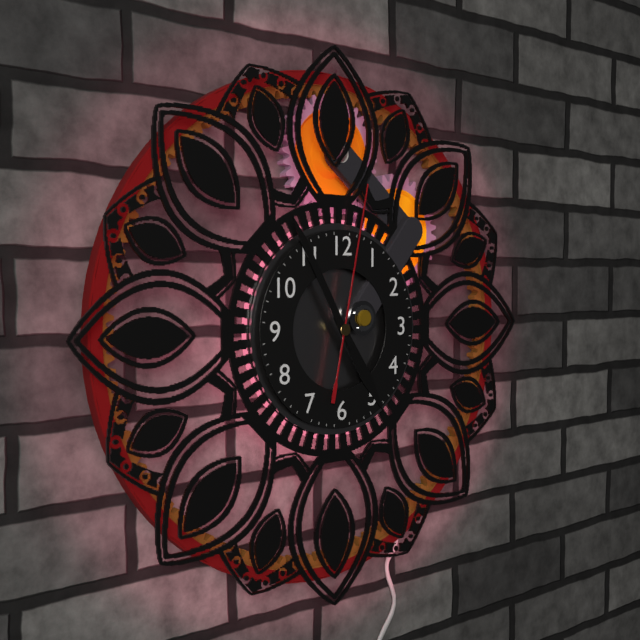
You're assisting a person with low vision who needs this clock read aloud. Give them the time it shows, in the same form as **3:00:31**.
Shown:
**4:55:02**
